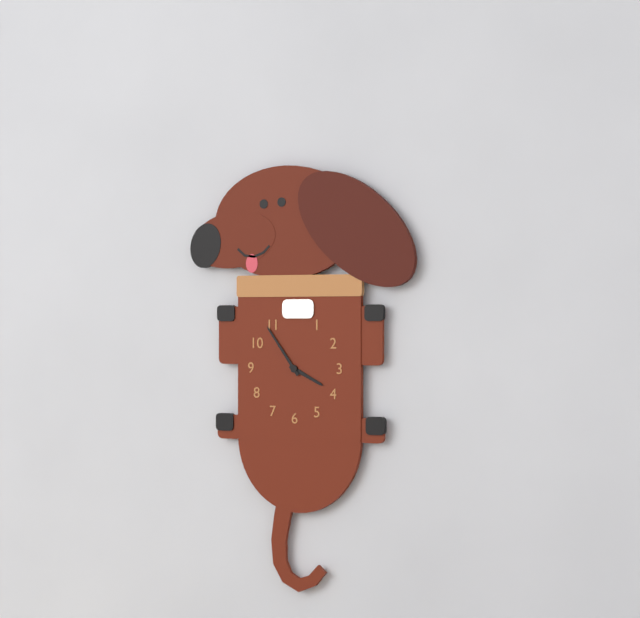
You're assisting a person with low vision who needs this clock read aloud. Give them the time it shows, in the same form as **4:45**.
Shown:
**3:54**
